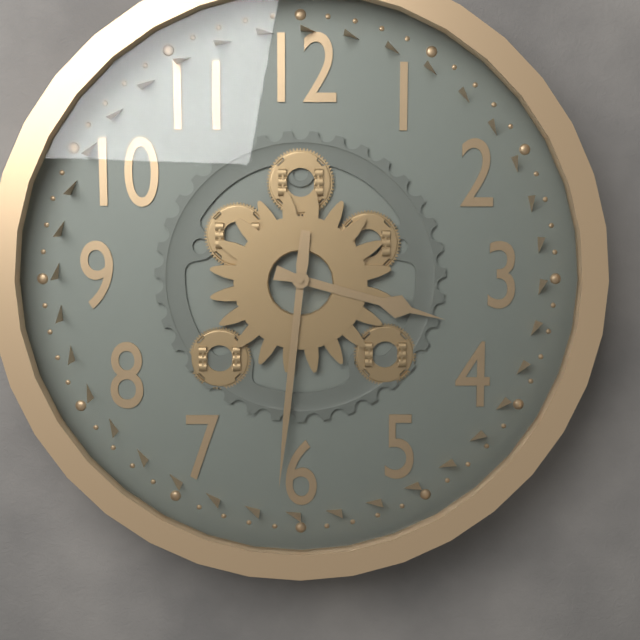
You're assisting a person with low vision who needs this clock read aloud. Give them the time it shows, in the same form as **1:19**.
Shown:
**3:31**
